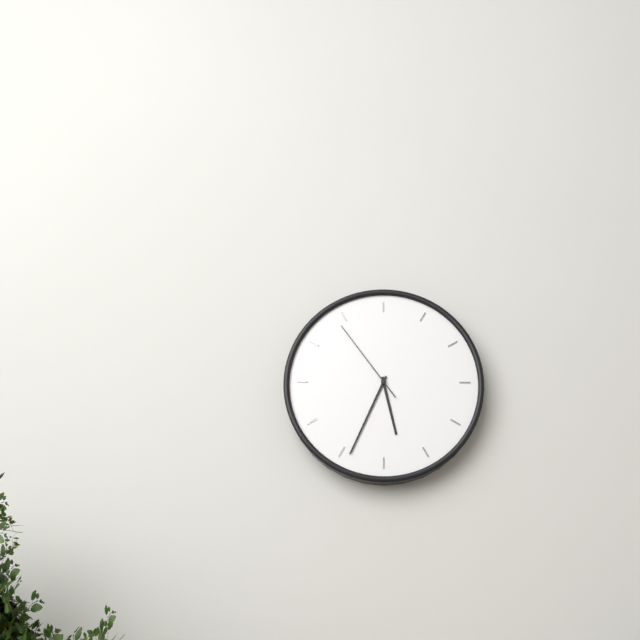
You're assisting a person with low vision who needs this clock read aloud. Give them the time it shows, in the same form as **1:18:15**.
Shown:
**5:34:54**
